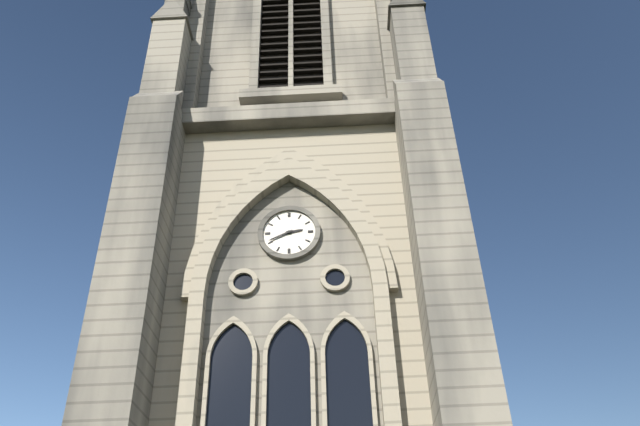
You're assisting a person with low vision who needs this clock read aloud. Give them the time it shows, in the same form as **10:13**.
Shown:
**2:41**
